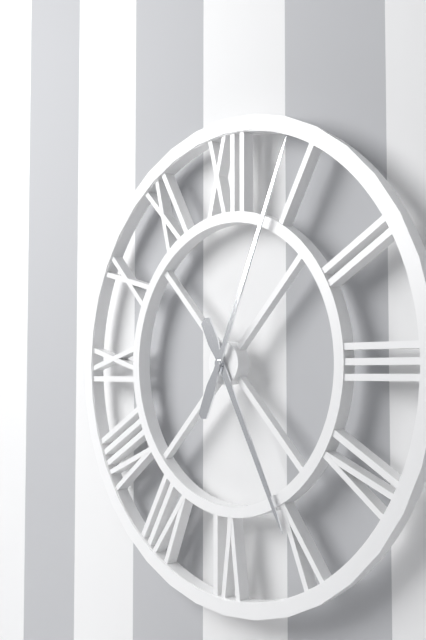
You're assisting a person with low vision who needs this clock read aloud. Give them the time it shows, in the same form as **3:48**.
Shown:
**5:04**
